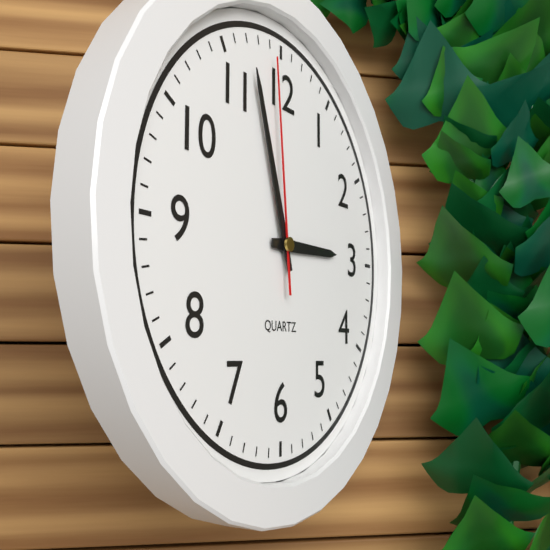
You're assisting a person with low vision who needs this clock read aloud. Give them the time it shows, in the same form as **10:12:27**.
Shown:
**2:57:59**
